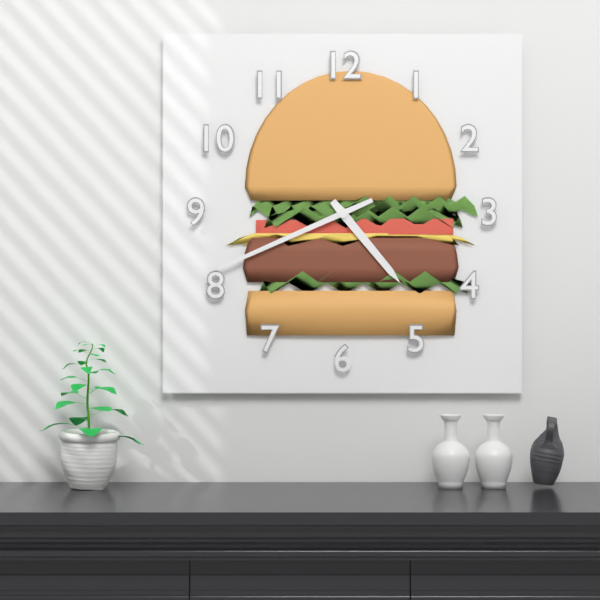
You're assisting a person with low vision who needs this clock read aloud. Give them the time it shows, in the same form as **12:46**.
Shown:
**4:41**
